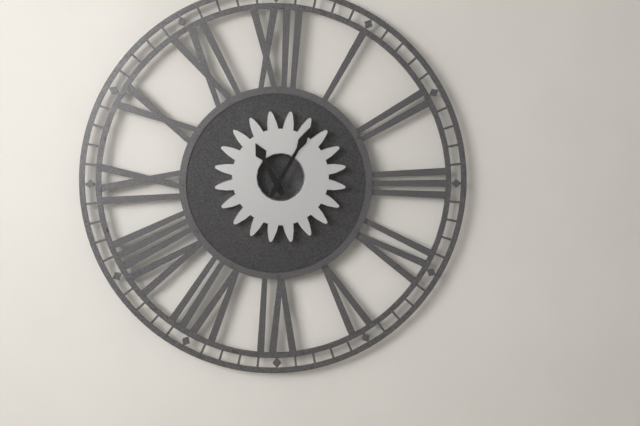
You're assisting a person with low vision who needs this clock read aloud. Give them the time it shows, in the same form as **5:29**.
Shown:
**11:05**
